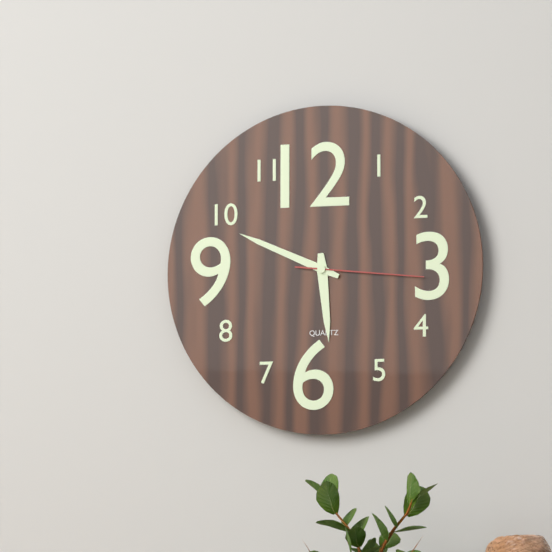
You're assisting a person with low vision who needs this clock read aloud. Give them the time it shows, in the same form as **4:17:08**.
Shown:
**5:49:16**
